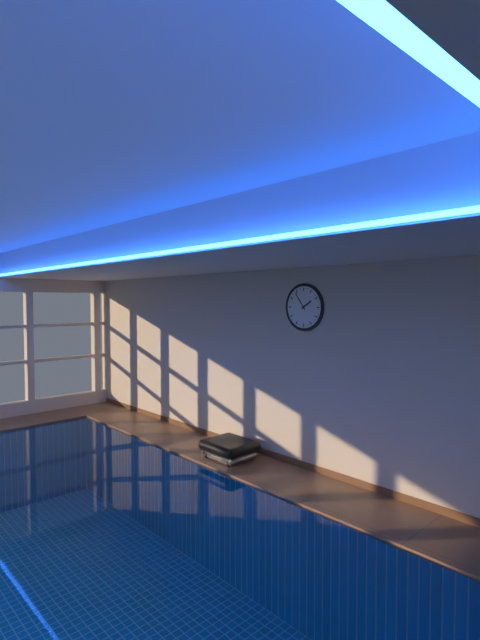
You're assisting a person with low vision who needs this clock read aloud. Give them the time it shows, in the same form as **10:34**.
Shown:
**1:54**
